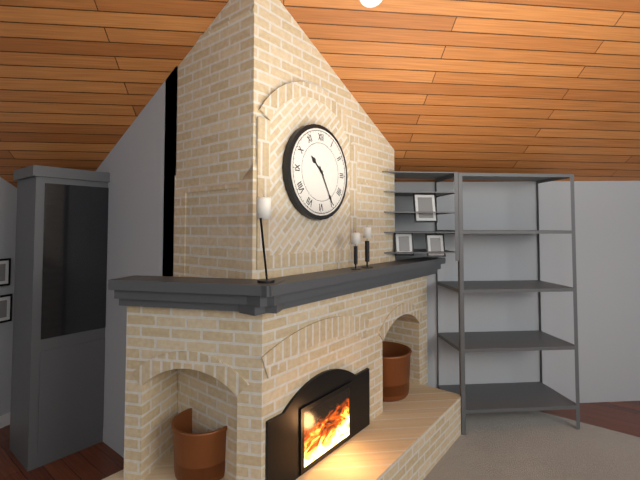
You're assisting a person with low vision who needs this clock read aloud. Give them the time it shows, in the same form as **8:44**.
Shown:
**10:25**
